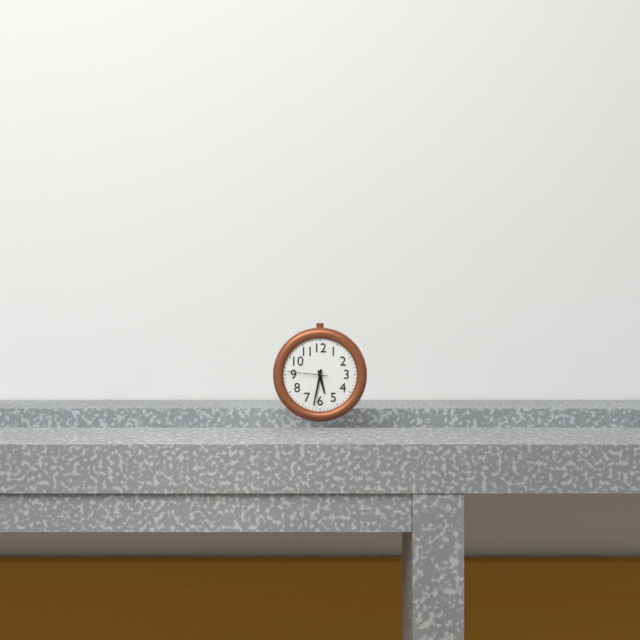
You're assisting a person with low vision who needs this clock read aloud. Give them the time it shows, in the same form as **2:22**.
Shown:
**5:32**
